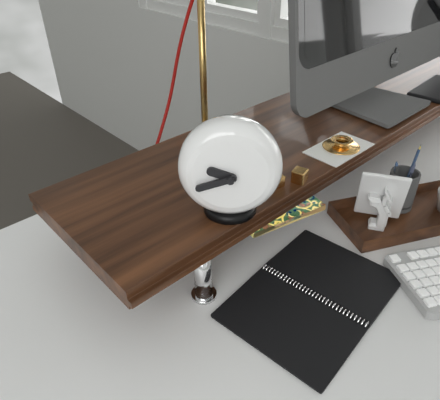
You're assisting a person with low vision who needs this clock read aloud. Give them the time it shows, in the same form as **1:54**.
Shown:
**9:42**
